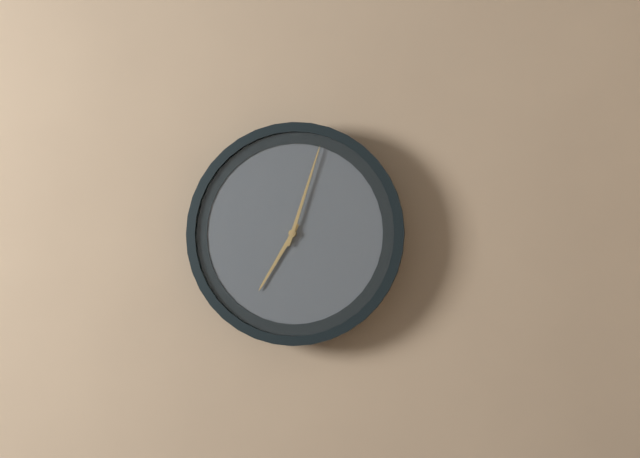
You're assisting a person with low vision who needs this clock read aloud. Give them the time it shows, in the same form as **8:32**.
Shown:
**7:03**
